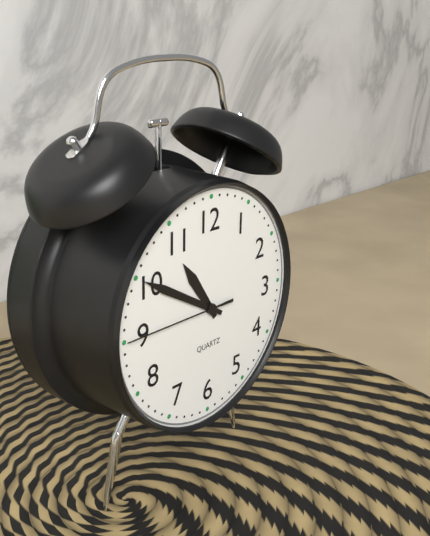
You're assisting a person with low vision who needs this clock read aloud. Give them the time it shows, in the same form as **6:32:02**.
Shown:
**10:50:45**
